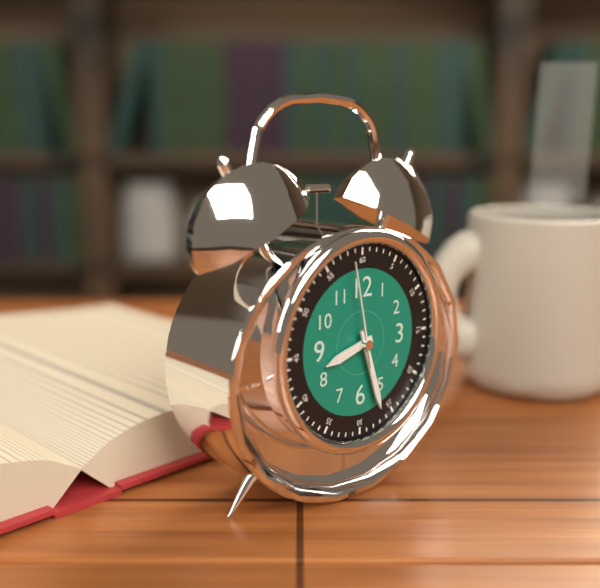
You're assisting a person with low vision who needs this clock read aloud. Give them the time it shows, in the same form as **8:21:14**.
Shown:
**8:27:58**
